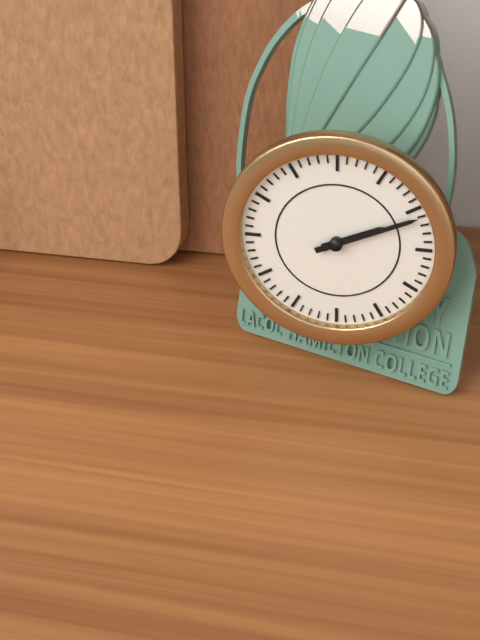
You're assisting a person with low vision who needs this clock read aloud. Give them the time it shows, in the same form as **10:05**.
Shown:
**2:11**
